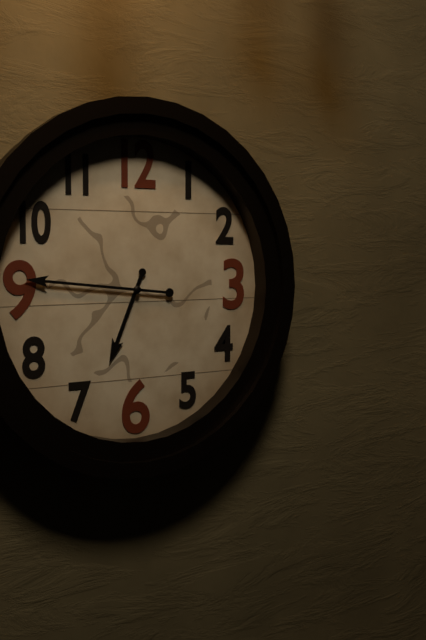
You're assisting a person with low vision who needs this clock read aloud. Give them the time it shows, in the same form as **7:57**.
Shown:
**6:46**
